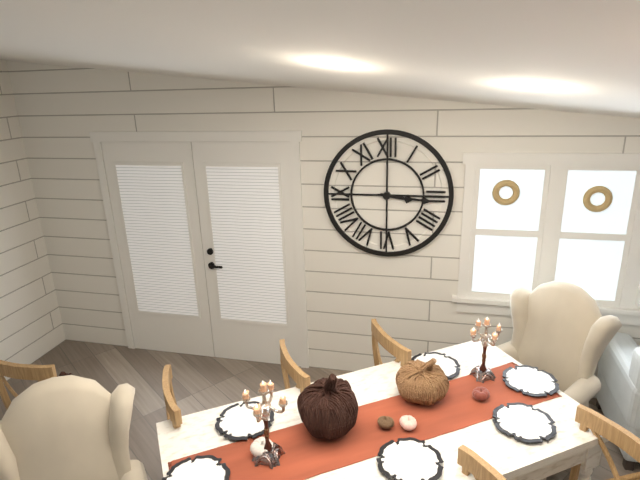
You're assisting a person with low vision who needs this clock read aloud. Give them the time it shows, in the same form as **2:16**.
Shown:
**3:16**
